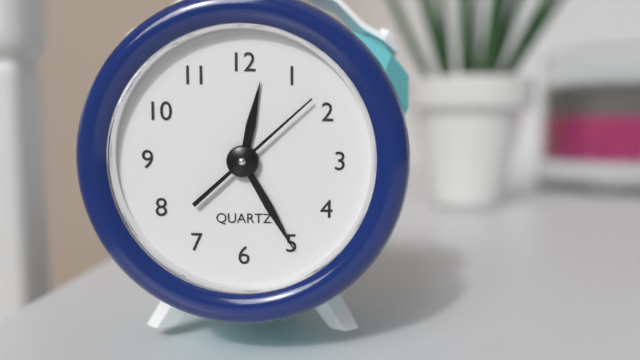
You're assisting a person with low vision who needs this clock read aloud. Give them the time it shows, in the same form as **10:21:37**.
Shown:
**12:25:08**
